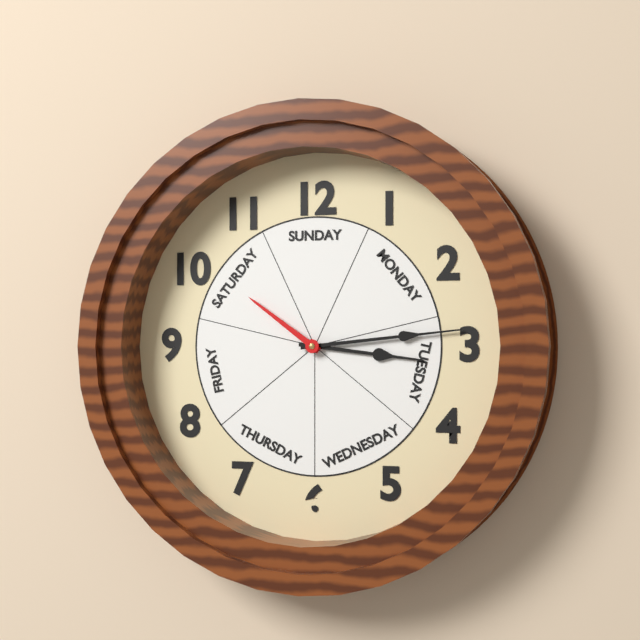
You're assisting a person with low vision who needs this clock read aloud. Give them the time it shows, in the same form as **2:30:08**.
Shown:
**3:14:51**
